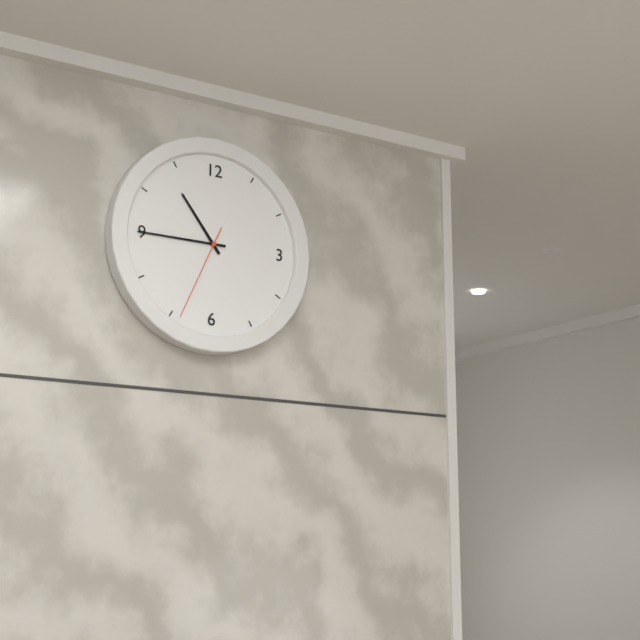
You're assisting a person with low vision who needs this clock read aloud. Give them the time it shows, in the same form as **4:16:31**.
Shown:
**10:45:34**
